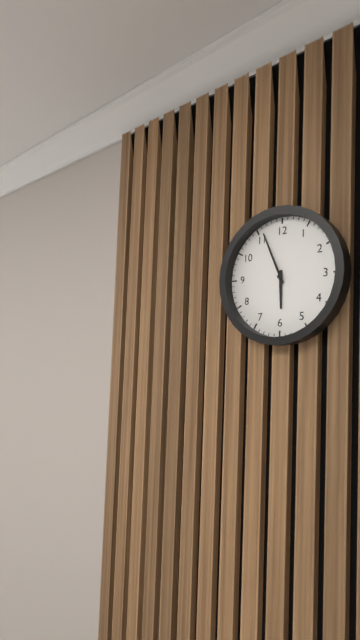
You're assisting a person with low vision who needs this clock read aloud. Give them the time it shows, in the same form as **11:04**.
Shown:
**5:56**
